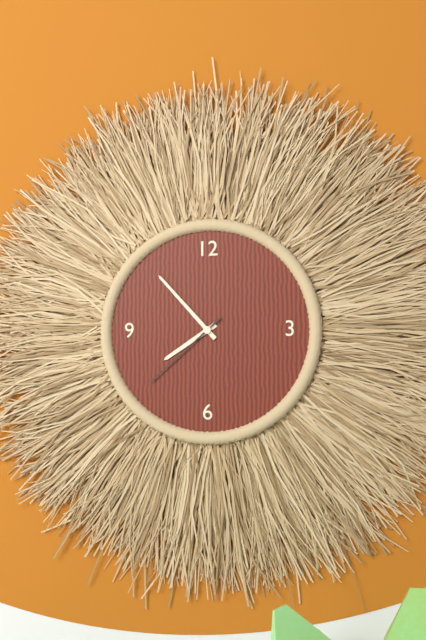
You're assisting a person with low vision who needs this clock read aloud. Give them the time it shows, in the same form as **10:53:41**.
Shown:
**7:53:38**
